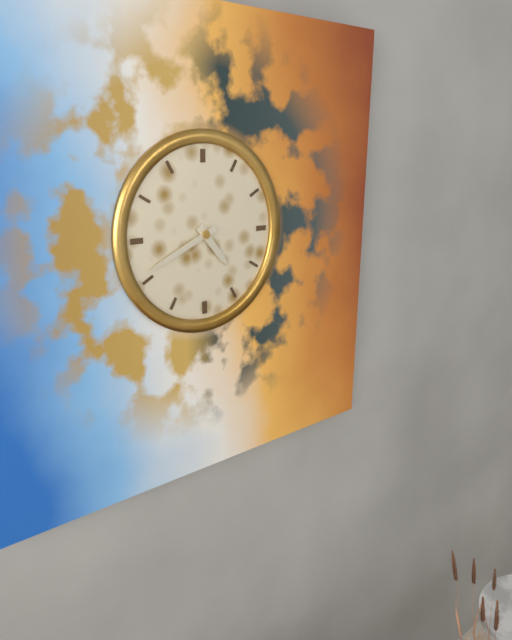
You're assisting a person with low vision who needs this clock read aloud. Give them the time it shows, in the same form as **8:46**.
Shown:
**4:41**
